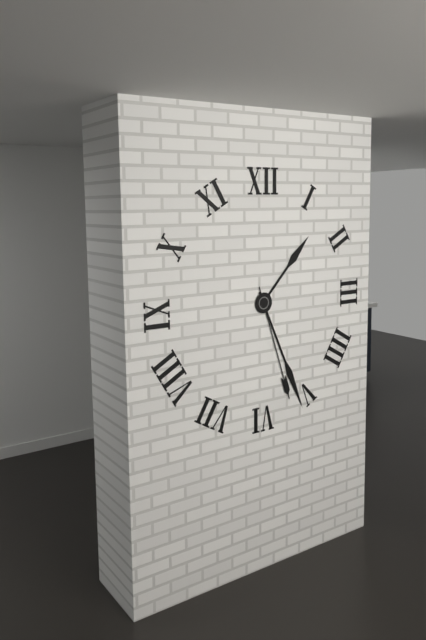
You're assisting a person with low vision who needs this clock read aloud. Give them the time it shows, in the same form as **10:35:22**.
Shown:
**1:26:27**
